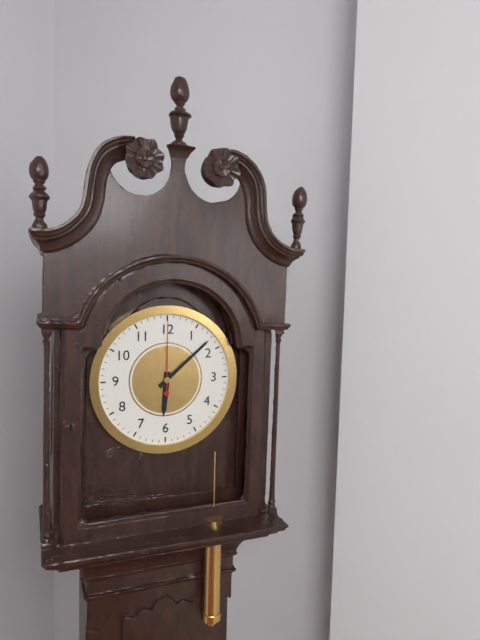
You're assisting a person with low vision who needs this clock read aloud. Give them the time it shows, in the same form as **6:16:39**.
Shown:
**6:08:00**
